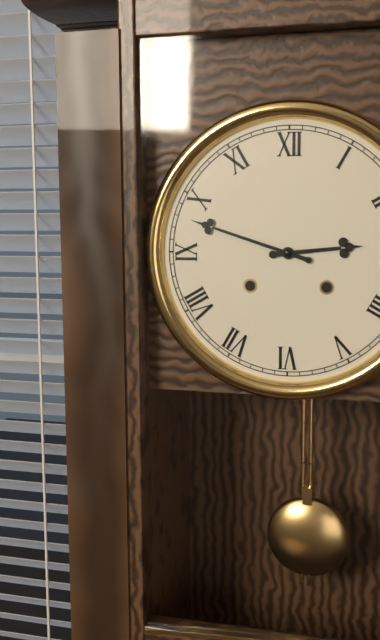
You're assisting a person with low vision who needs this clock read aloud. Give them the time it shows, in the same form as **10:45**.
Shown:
**2:48**
